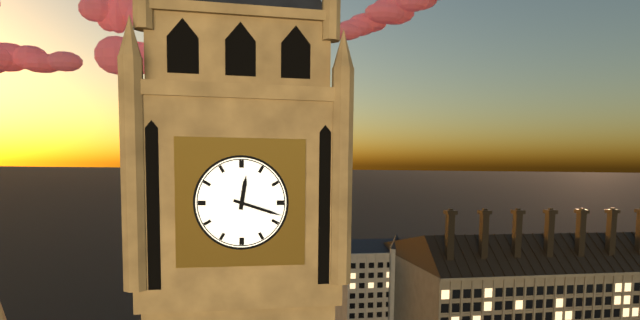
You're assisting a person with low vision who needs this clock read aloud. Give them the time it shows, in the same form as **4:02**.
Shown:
**12:18**
